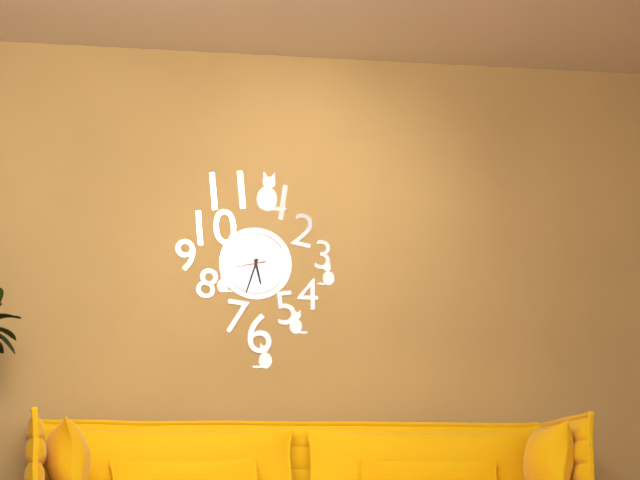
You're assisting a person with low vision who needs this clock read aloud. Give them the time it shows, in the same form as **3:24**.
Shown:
**5:33**
